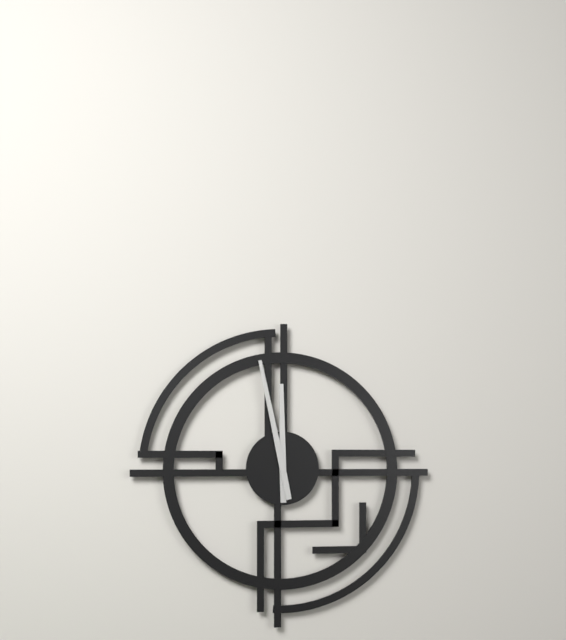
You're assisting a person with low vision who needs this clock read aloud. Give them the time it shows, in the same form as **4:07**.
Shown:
**11:58**
